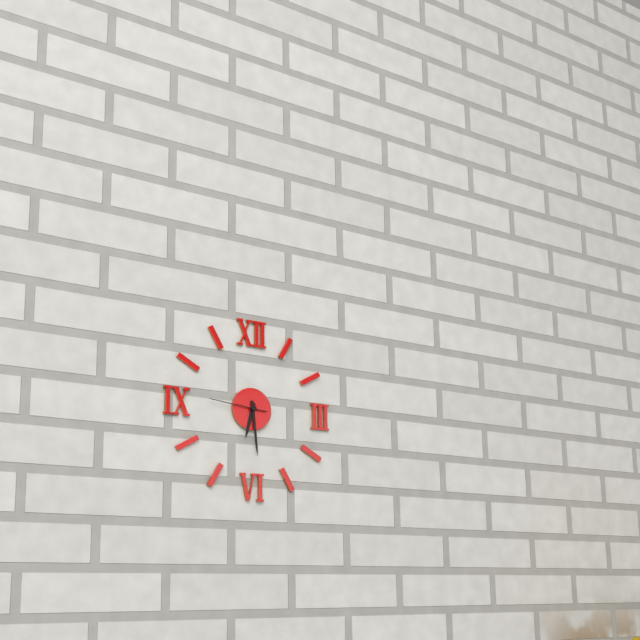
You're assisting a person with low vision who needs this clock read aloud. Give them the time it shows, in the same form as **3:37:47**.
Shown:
**6:29:46**
